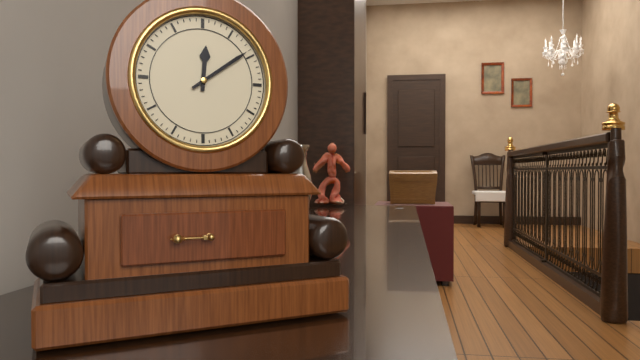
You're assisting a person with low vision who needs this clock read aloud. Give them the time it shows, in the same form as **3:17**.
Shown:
**12:09**
